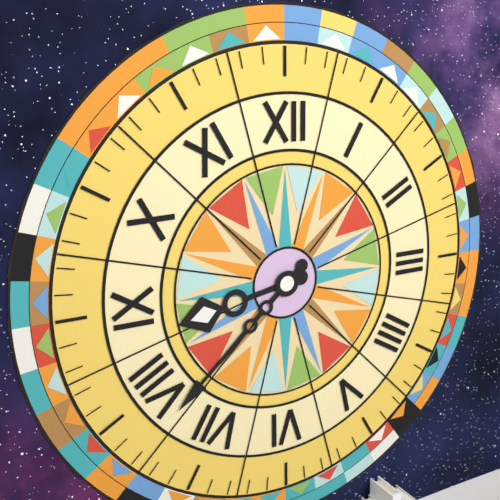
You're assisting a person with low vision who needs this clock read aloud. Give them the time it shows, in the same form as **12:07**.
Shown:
**8:38**
